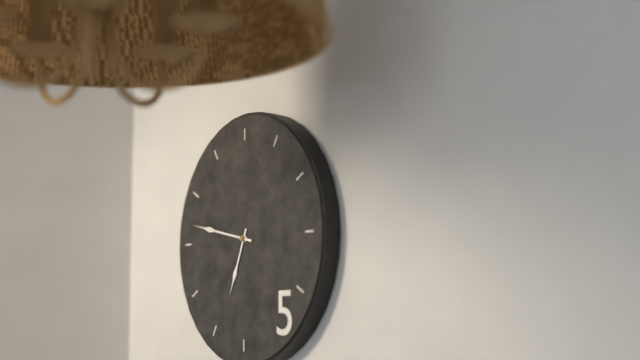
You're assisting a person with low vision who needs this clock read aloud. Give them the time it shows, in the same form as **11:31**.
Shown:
**6:47**
